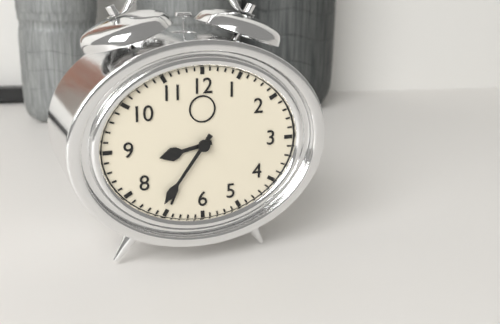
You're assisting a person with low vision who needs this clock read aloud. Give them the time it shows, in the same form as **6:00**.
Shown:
**8:36**
